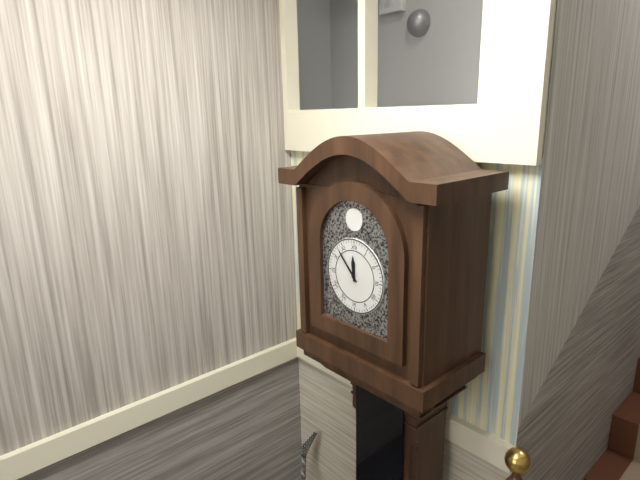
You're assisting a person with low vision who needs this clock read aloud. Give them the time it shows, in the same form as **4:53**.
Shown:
**11:53**
